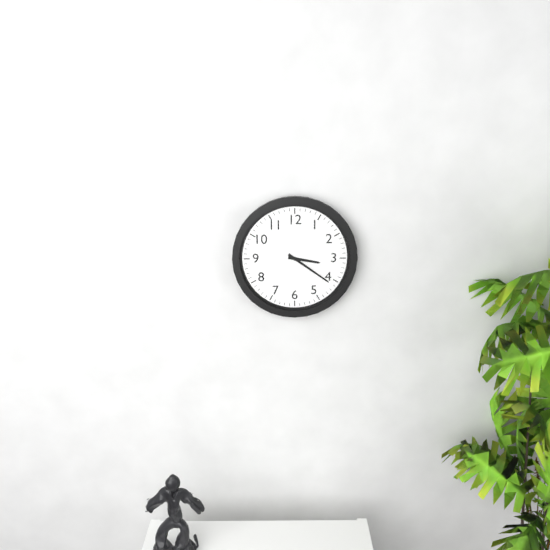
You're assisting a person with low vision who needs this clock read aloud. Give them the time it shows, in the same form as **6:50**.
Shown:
**3:21**
